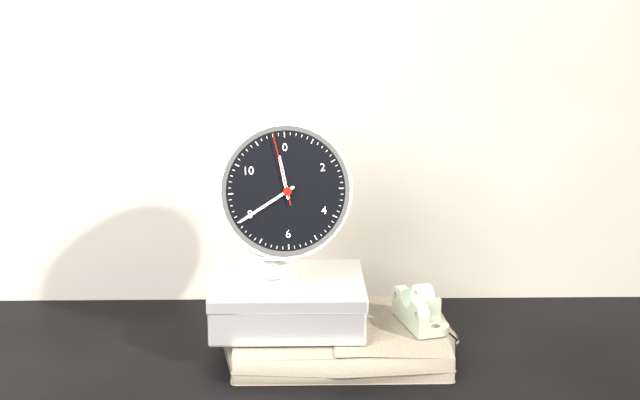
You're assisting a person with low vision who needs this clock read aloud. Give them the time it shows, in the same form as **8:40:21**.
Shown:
**11:40:58**
